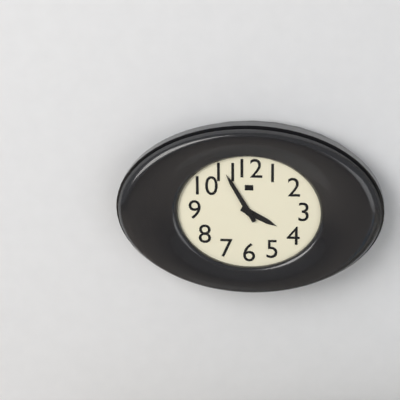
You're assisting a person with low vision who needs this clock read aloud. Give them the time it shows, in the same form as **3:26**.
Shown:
**3:55**
